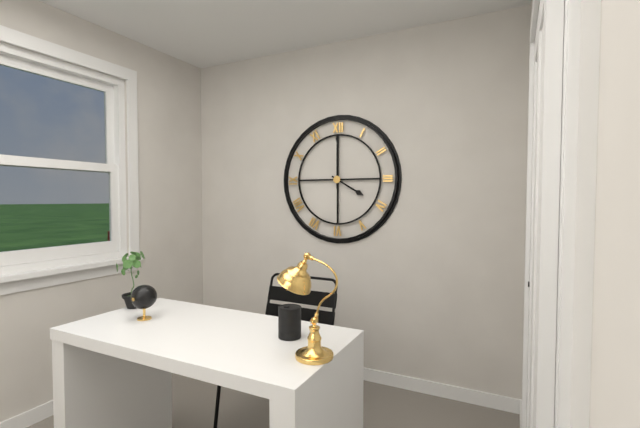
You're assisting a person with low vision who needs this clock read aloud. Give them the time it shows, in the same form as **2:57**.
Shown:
**4:00**
